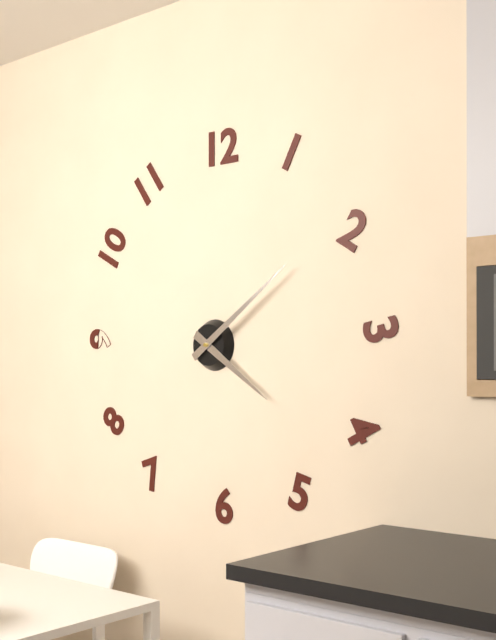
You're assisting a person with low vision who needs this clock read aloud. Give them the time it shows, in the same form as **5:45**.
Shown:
**4:09**
